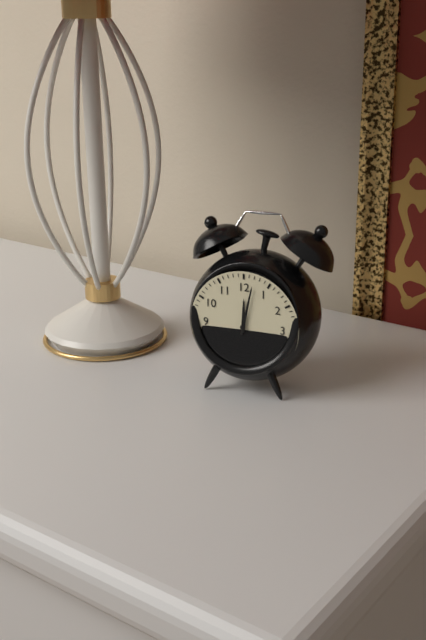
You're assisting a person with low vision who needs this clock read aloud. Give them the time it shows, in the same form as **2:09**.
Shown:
**12:02**
